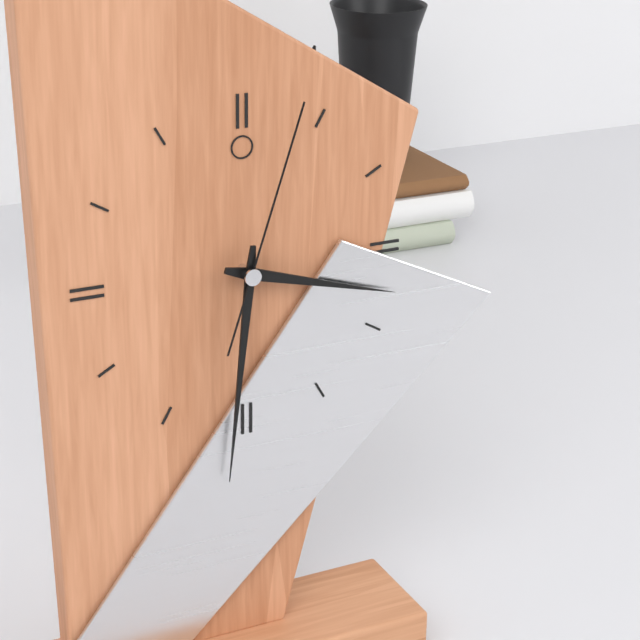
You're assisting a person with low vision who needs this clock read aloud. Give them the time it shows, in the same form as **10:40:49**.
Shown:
**3:31:03**
